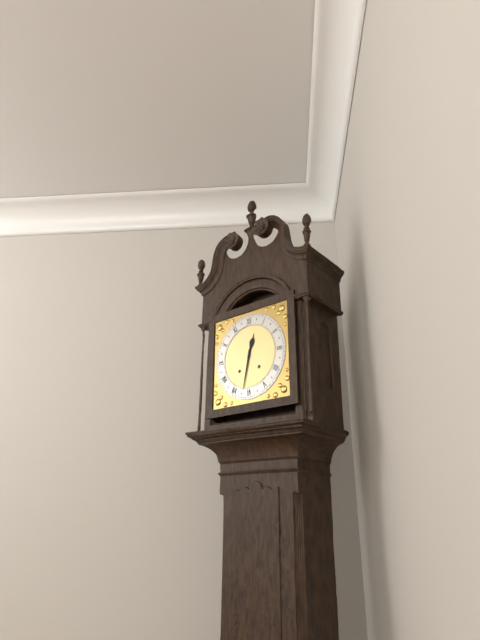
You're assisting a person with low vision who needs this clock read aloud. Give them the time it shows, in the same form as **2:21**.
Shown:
**12:32**
